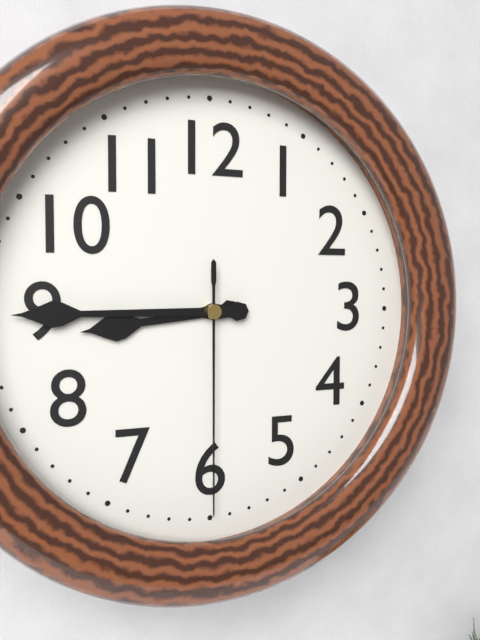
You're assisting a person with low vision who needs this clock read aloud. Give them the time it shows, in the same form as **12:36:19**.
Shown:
**8:45:30**
